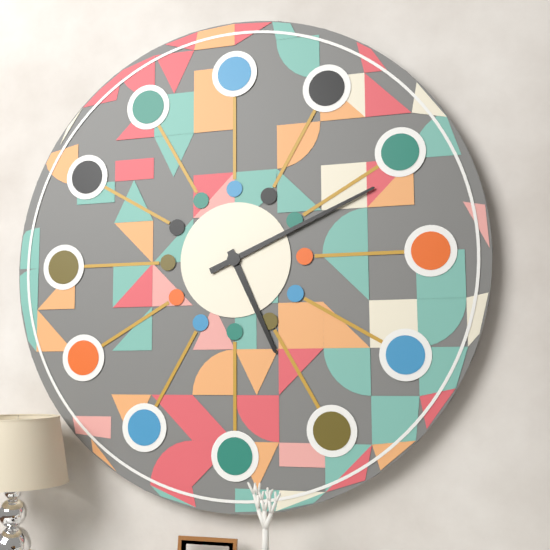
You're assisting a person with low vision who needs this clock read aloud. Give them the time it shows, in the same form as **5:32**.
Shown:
**5:11**
